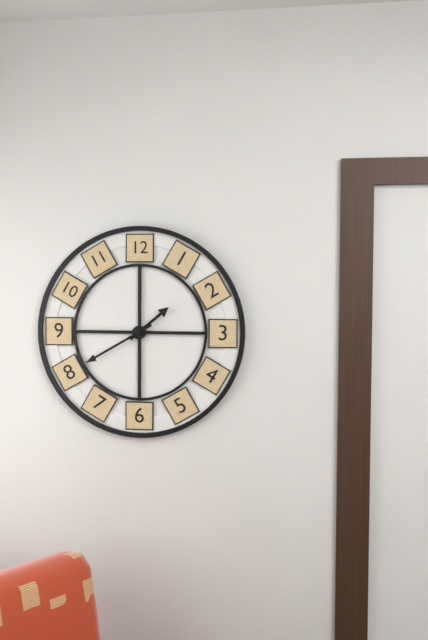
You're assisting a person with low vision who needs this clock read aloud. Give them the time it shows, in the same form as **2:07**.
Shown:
**1:40**
